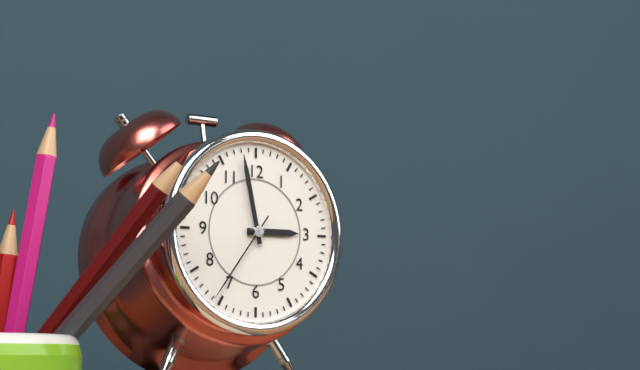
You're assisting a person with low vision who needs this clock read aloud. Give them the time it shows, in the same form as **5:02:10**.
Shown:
**2:58:36**
